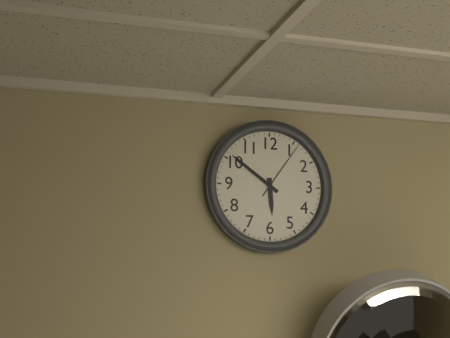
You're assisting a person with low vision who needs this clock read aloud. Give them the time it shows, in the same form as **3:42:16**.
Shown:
**5:51:06**
